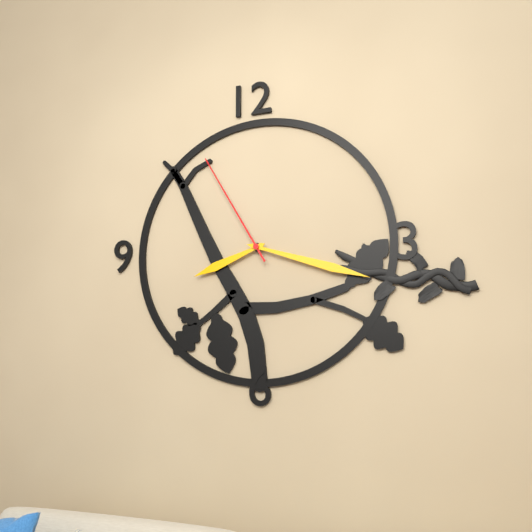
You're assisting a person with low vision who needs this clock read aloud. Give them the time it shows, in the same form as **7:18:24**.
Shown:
**8:18:55**
